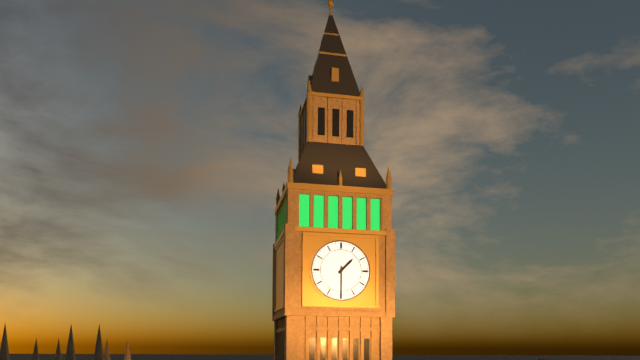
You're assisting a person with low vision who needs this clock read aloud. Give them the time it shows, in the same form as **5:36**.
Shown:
**1:30**
